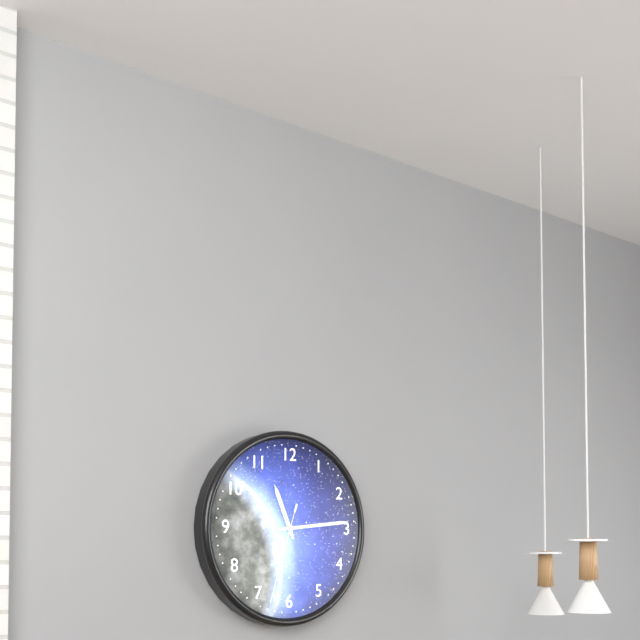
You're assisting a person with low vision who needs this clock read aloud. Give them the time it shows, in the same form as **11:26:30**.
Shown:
**11:14:33**
